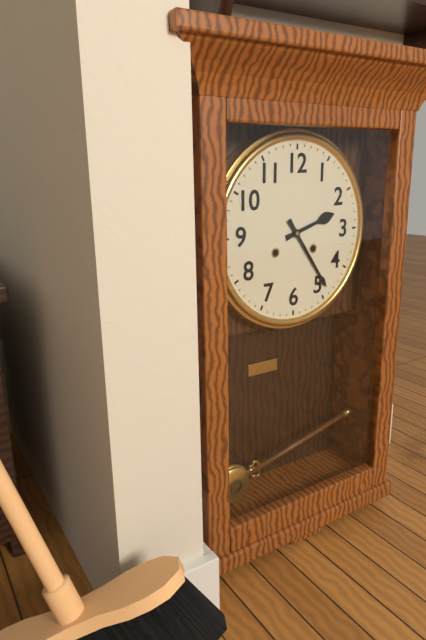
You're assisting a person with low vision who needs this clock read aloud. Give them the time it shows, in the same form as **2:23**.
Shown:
**2:24**
